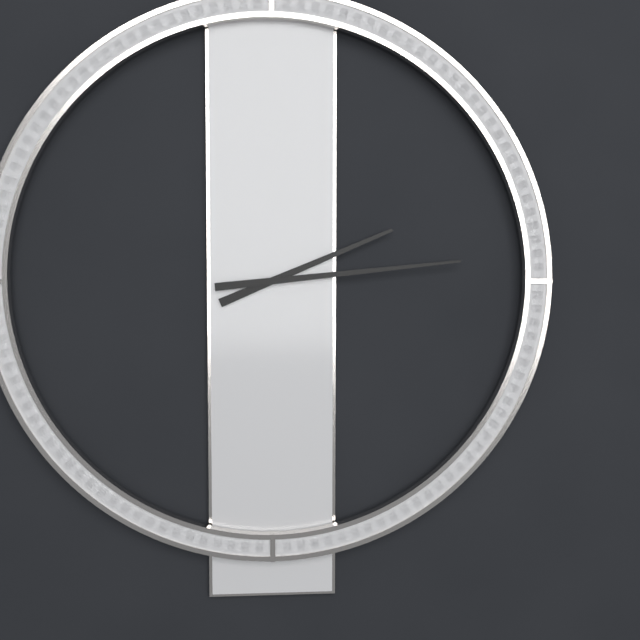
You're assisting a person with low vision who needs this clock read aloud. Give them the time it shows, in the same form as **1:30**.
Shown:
**2:14**
